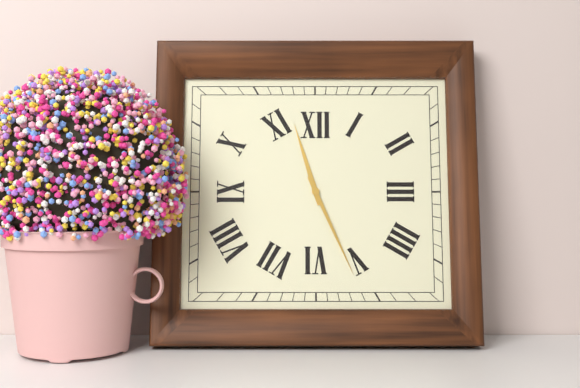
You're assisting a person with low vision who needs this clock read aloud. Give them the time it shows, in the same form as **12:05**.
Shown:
**11:26**
